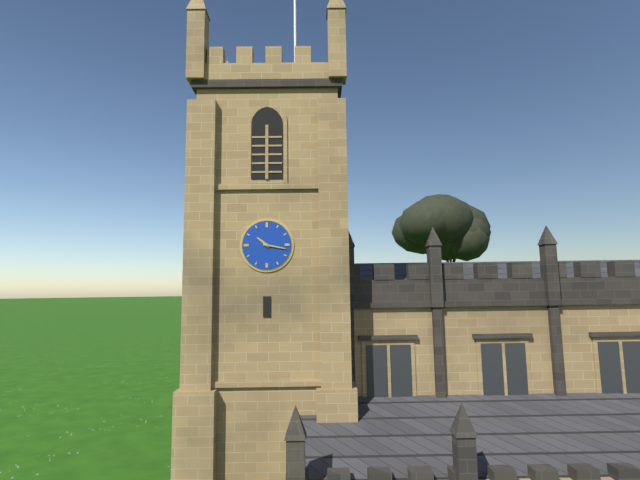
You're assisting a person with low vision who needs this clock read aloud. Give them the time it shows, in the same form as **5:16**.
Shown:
**10:17**
